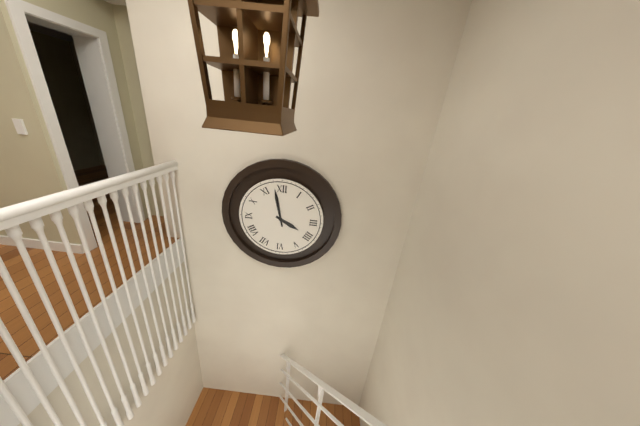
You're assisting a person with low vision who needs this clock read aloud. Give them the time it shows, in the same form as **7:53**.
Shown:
**3:58**
